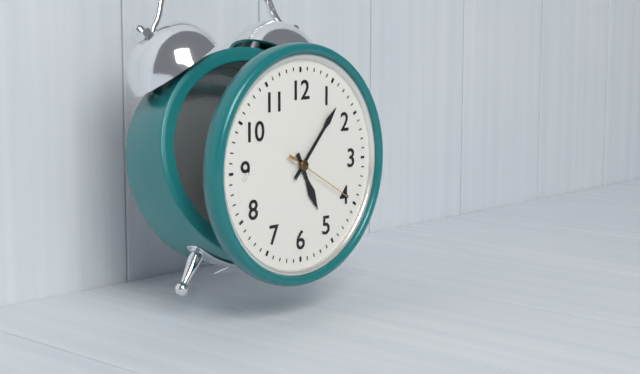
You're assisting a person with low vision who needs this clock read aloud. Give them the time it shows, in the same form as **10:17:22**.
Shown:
**5:07:20**
